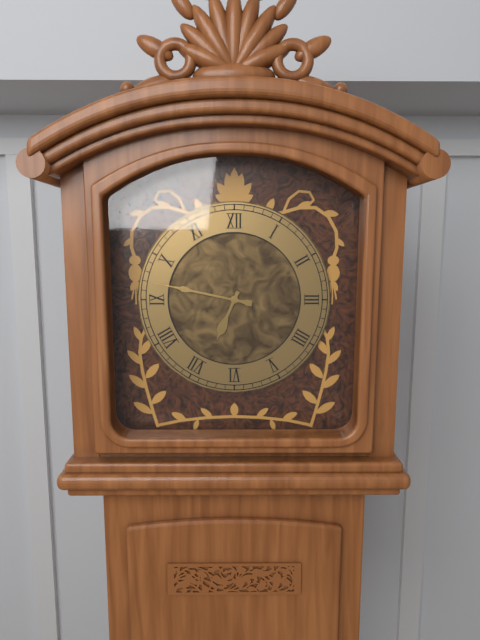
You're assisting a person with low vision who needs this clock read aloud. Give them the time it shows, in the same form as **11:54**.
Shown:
**6:47**
